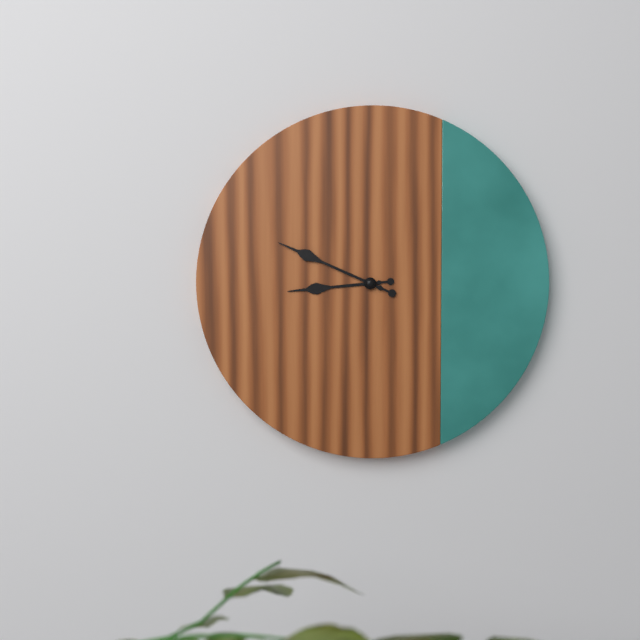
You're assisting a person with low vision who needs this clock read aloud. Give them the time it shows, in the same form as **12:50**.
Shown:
**8:49**
